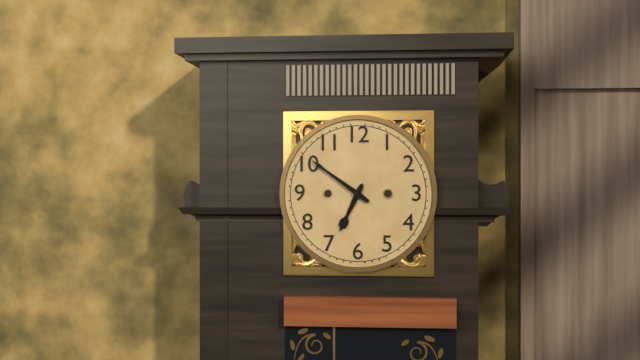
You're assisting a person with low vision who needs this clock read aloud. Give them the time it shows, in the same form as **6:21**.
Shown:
**6:51**
